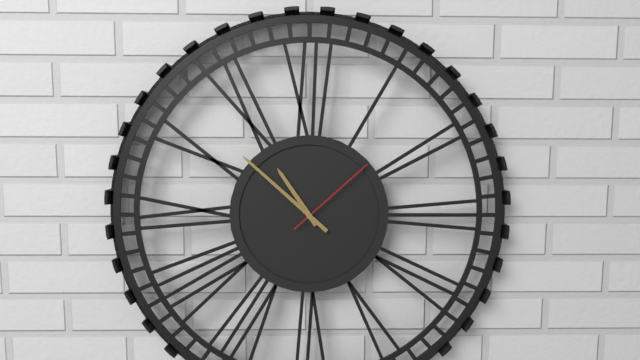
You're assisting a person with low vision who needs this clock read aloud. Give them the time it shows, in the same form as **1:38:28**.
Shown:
**10:52:08**
